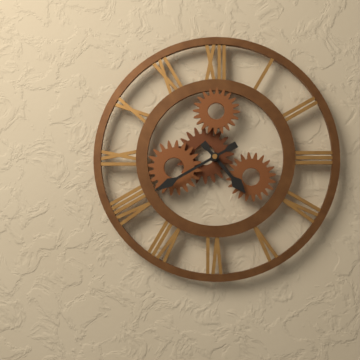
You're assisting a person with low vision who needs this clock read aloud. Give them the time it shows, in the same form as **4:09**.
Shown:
**4:40**
